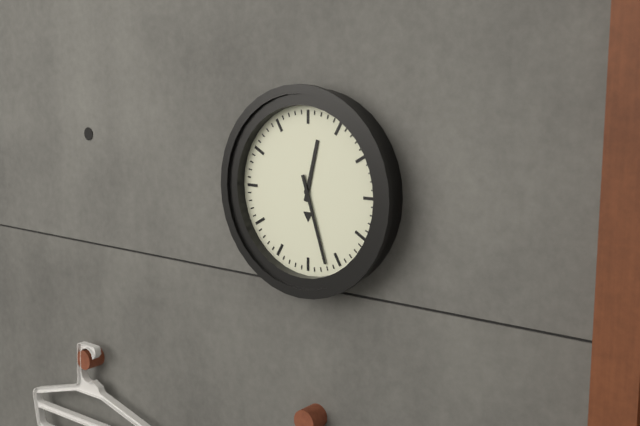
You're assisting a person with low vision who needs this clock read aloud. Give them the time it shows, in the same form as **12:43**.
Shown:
**12:27**
